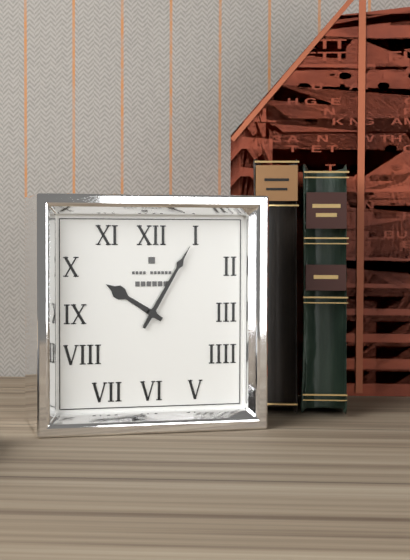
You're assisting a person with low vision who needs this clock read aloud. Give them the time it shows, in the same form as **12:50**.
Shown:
**10:05**
